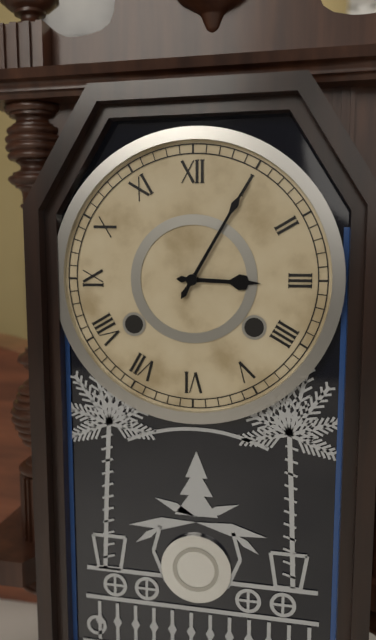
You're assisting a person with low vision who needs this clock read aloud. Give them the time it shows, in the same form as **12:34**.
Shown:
**3:05**
